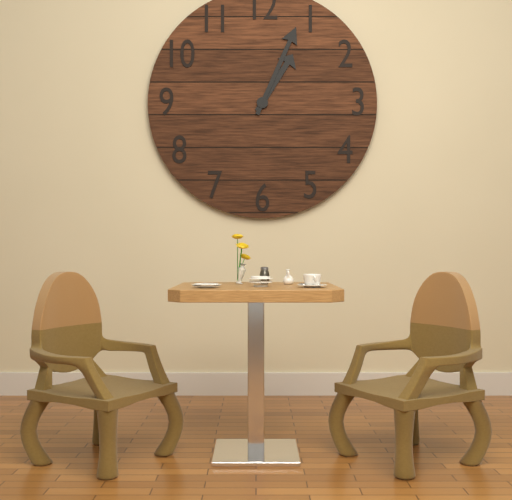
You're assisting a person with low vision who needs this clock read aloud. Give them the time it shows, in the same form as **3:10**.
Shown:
**1:04**
